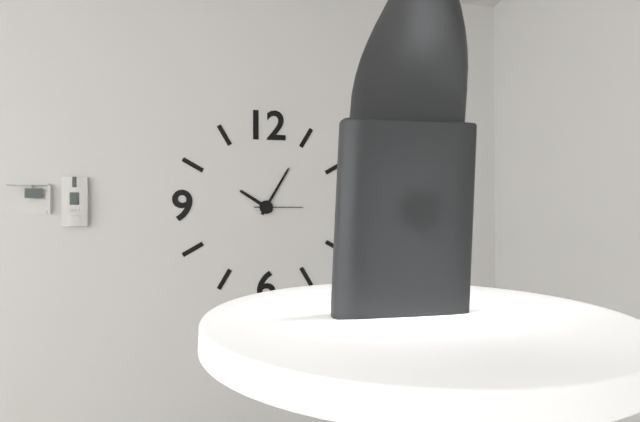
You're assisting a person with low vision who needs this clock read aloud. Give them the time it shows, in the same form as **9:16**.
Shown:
**10:05**
